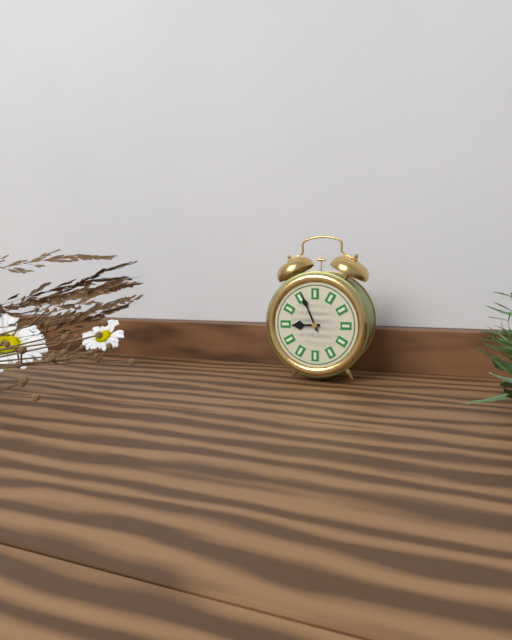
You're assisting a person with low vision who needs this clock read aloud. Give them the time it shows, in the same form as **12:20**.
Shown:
**8:56**
